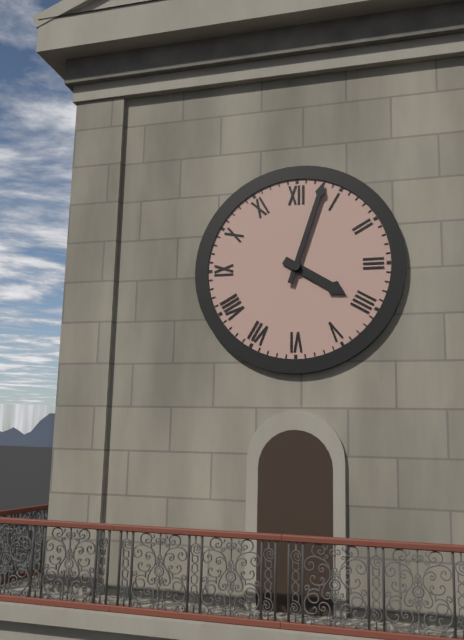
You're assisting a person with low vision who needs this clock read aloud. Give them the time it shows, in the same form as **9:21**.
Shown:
**4:03**
